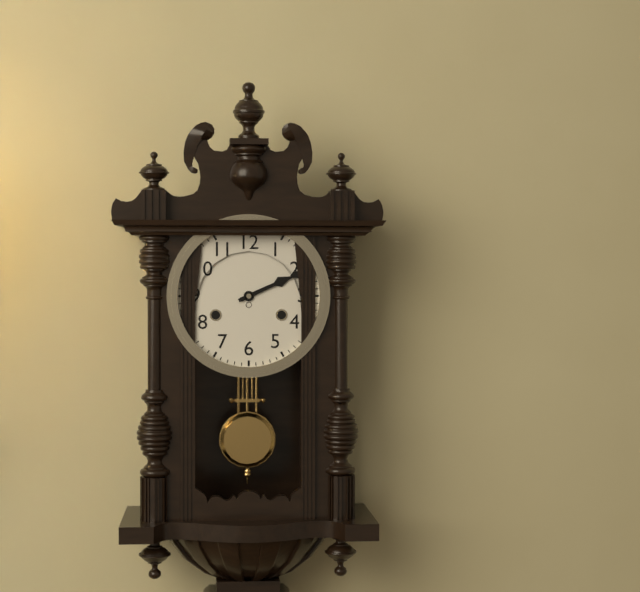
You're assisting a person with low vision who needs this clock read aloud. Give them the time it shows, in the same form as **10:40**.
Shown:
**2:11**
